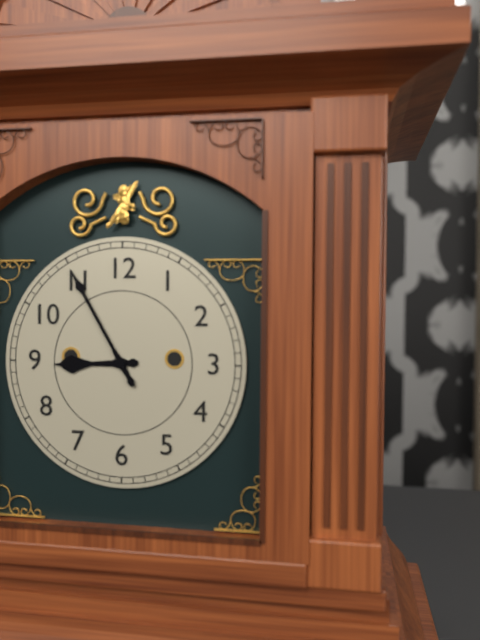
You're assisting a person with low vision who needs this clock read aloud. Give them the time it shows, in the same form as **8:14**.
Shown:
**8:55**
